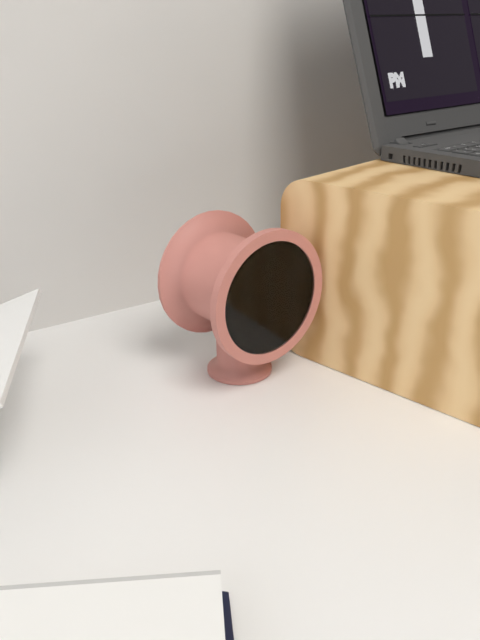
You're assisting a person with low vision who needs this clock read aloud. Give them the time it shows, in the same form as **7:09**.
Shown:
**2:34**
